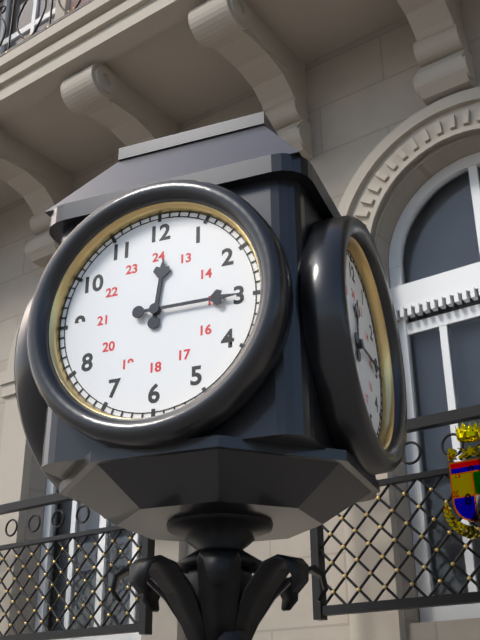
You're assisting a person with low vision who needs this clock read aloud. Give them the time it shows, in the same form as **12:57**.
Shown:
**12:15**
